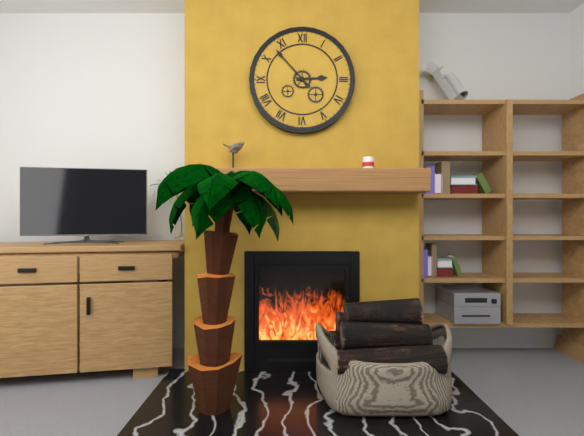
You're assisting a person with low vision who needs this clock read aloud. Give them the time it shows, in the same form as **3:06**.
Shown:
**2:53**
